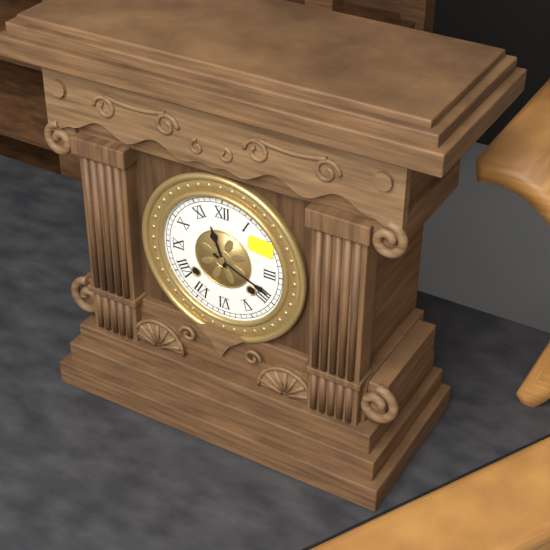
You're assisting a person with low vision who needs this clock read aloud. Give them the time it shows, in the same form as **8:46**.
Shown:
**11:19**
